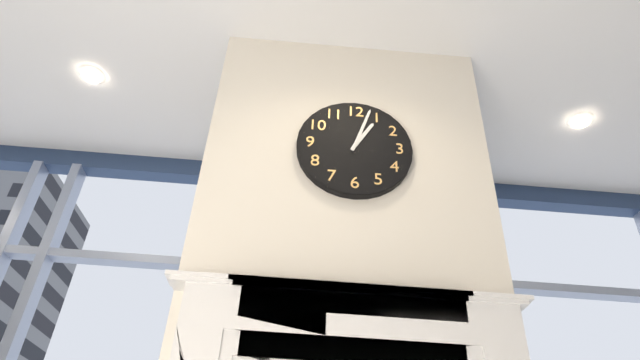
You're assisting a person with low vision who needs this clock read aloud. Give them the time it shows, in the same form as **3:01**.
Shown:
**1:03**
